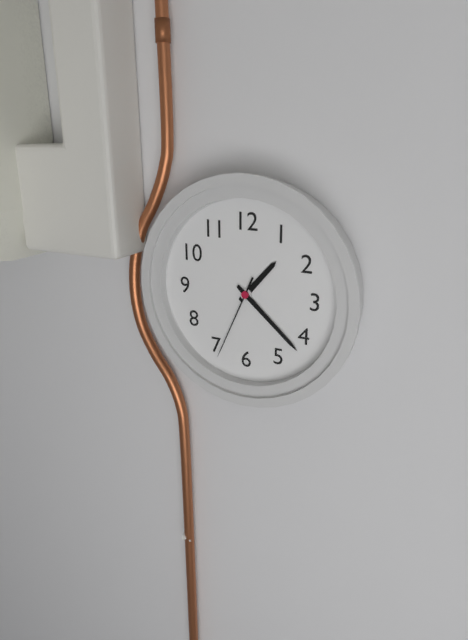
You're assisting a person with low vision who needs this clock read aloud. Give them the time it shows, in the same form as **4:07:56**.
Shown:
**1:22:34**
